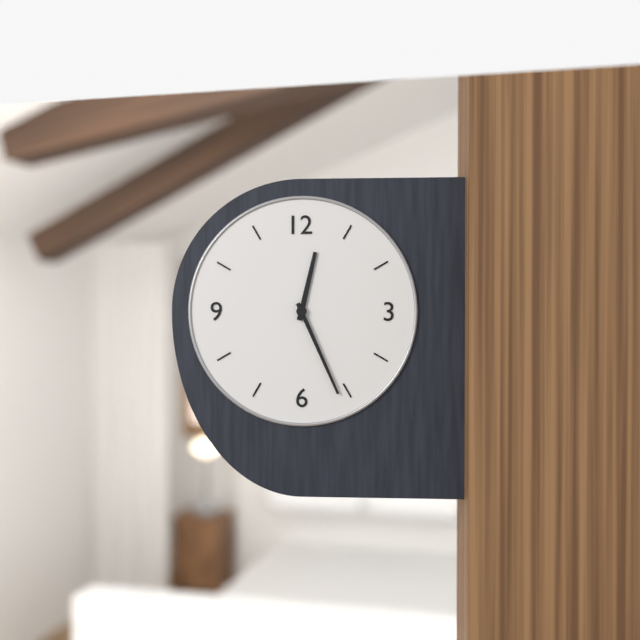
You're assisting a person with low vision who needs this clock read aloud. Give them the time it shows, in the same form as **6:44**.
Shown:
**12:26**
